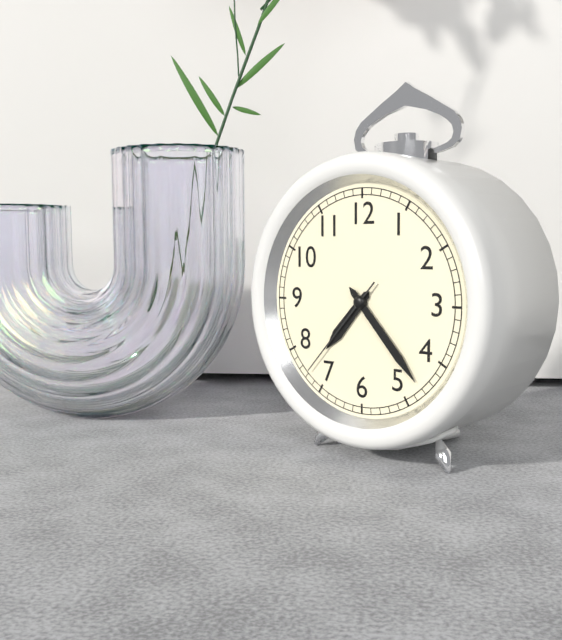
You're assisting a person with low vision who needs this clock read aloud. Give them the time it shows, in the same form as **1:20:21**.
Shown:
**7:23:37**
